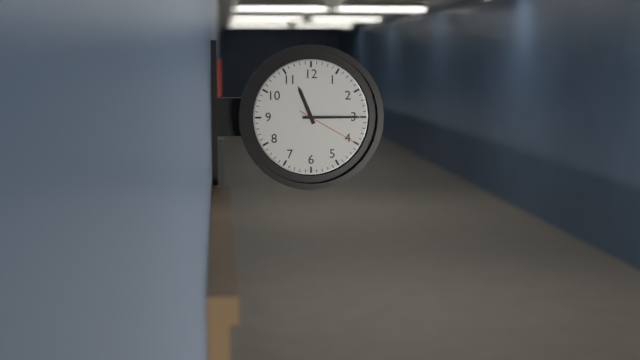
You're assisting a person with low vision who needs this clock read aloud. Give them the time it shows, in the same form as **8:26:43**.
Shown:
**11:15:20**
